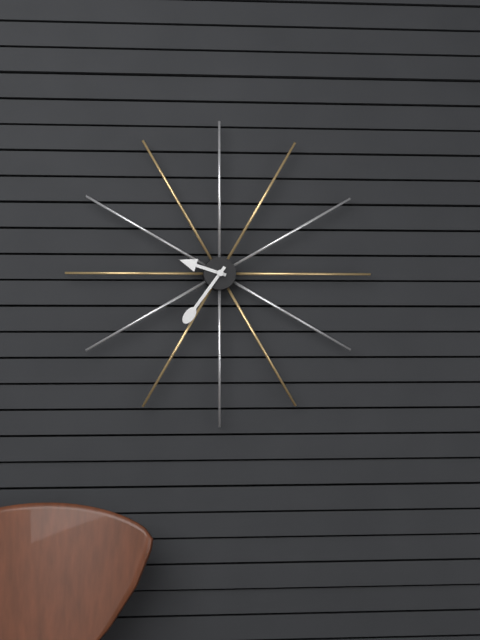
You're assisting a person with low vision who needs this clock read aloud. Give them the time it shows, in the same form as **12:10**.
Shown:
**9:36**
